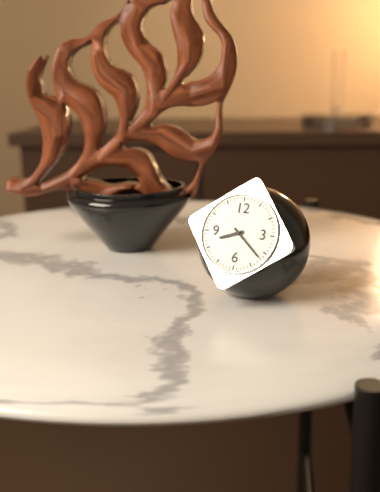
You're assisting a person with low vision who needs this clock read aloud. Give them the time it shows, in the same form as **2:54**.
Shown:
**8:22**
